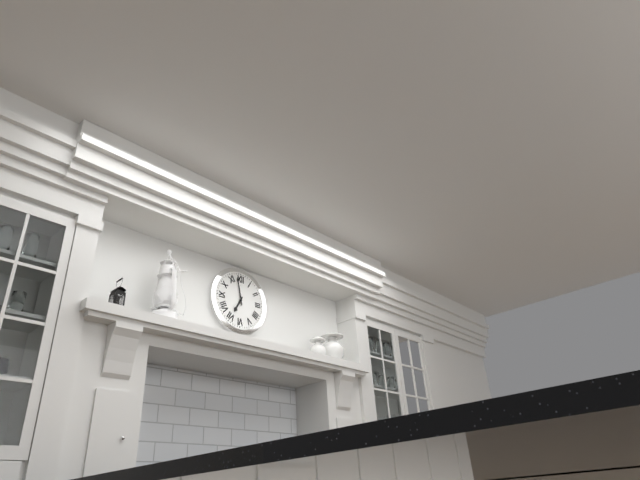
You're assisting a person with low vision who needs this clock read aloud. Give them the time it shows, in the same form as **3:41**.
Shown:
**6:58**
